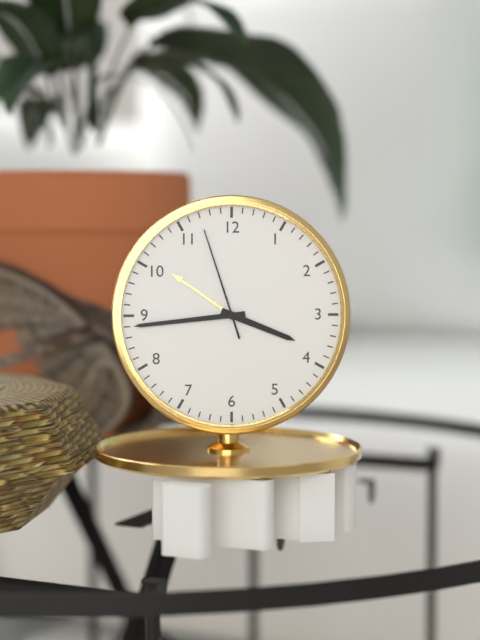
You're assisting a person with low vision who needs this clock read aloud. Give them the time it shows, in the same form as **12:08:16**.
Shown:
**3:44:57**
